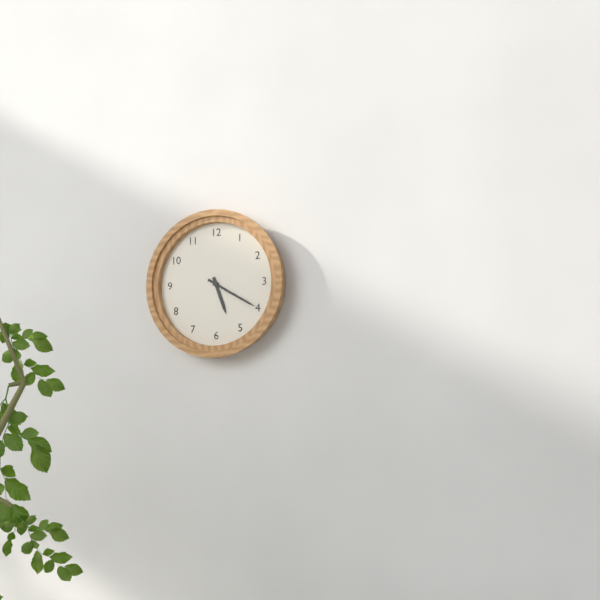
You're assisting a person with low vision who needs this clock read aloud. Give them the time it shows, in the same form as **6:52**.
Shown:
**5:20**
